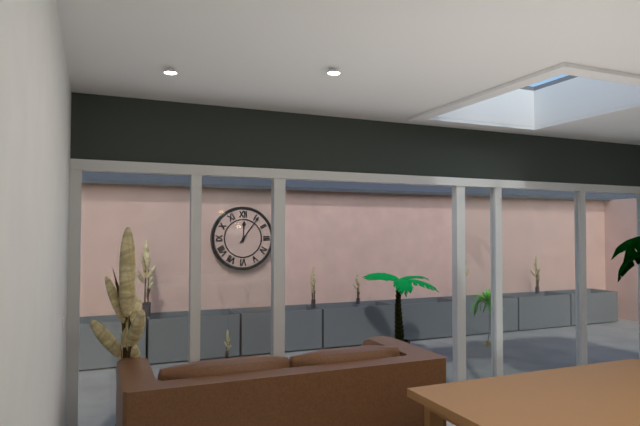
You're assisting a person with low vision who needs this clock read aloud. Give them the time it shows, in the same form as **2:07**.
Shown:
**12:06**
